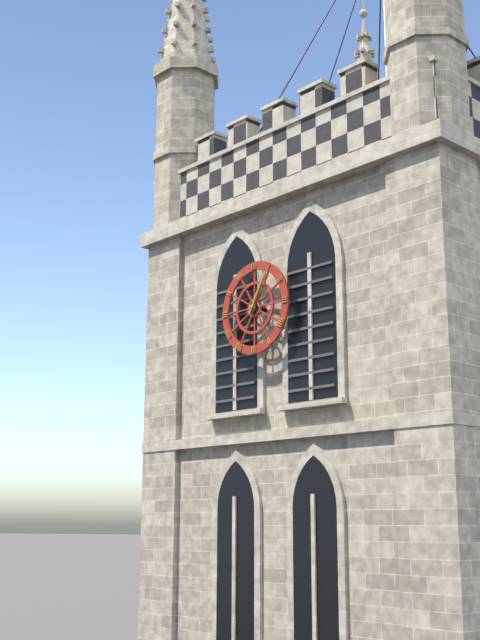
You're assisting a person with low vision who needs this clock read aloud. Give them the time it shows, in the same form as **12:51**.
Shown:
**1:05**
